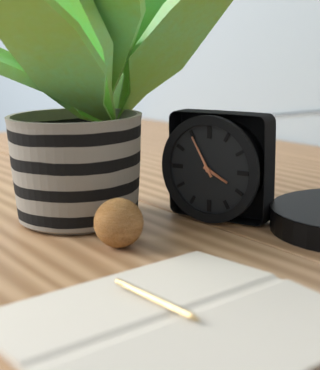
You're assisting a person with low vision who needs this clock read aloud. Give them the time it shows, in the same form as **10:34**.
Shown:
**3:55**
